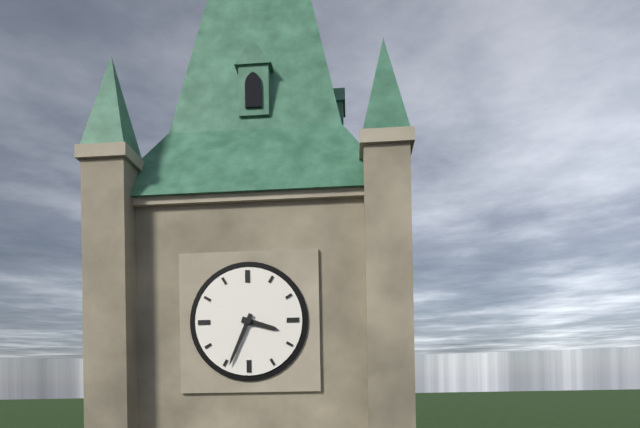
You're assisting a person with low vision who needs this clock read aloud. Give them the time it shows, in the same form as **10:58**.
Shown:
**3:34**
